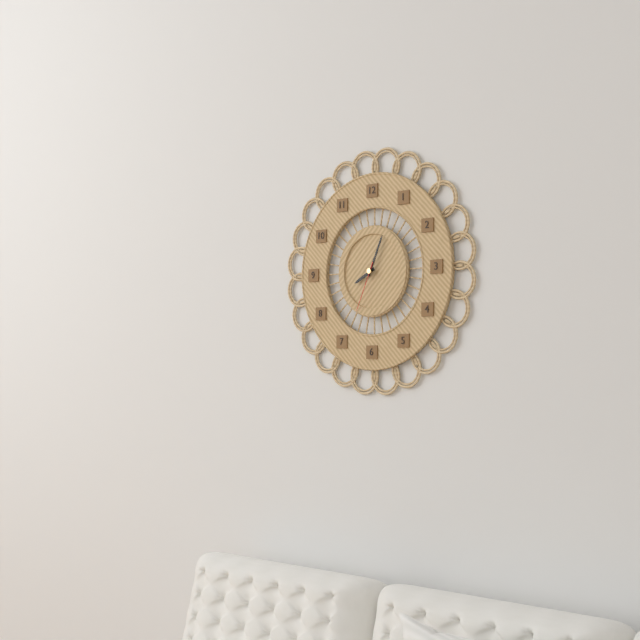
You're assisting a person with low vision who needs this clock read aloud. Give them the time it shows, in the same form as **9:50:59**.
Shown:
**8:04:34**
